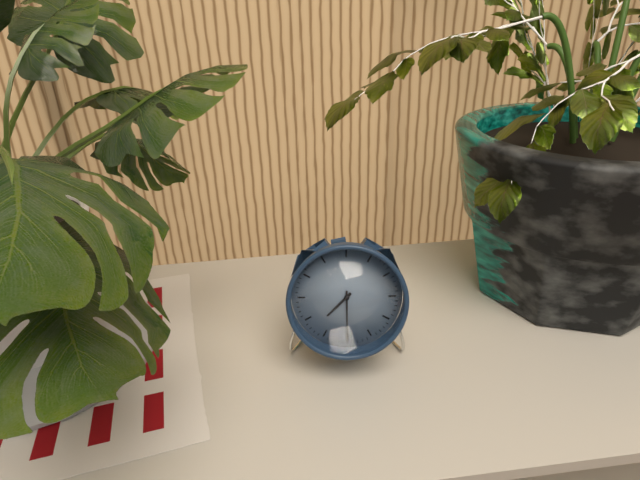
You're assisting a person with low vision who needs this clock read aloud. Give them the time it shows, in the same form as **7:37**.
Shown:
**7:30**
